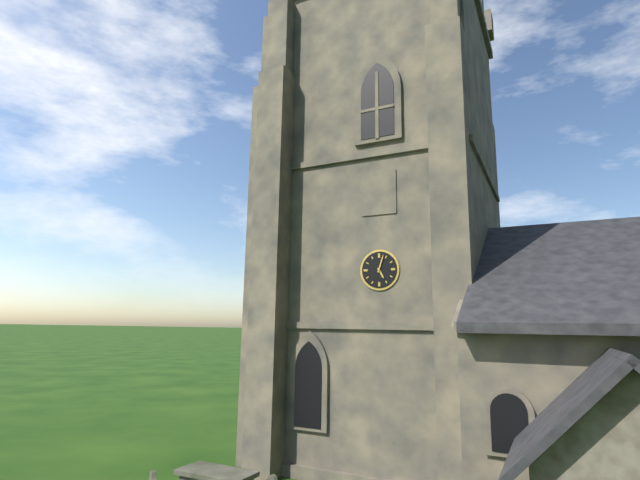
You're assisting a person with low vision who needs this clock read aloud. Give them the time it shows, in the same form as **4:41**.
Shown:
**5:03**
